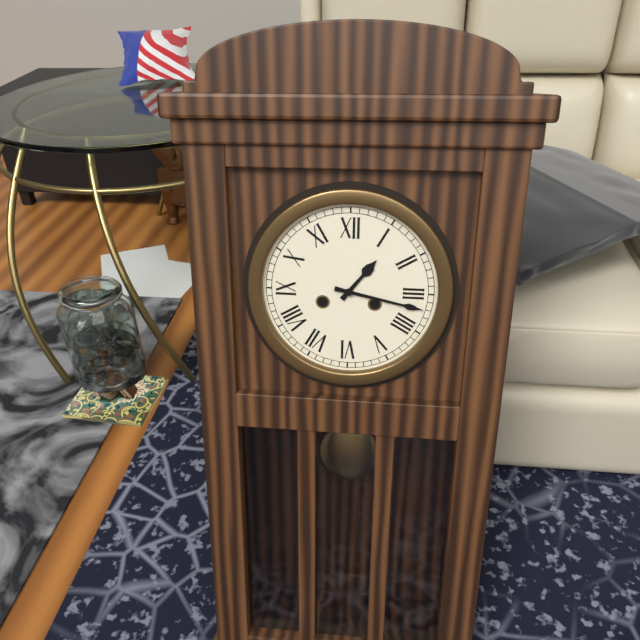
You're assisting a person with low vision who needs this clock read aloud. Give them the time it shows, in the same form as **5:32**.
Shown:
**1:17**
